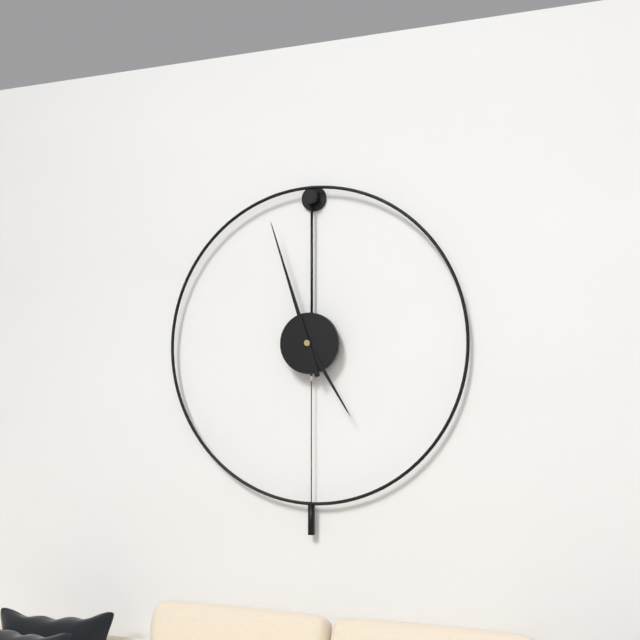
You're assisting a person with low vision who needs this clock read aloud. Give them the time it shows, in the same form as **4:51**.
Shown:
**4:57**
